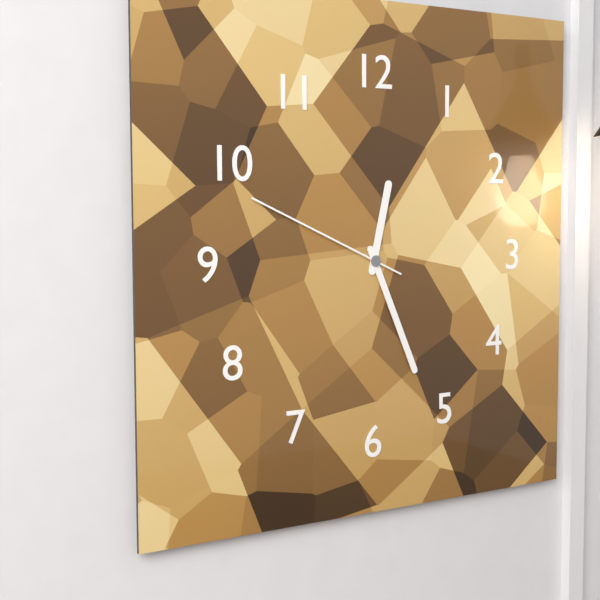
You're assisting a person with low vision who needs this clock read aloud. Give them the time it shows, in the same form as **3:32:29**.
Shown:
**12:26:49**
